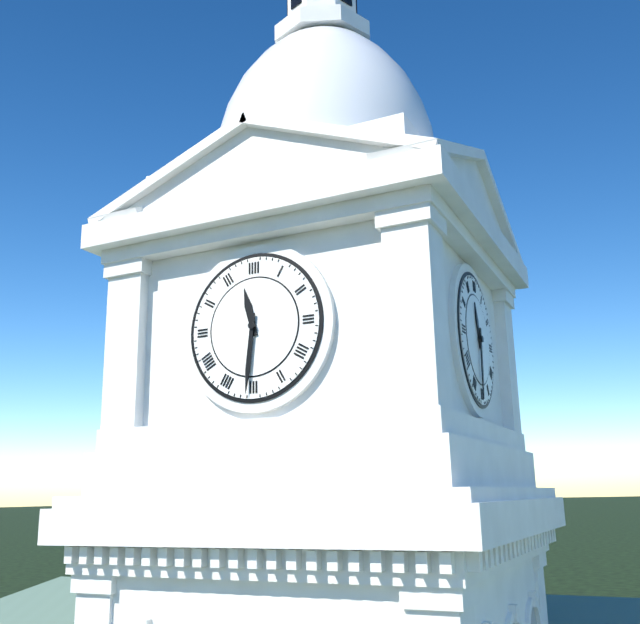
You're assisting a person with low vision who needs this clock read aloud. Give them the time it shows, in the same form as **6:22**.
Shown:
**11:31**
